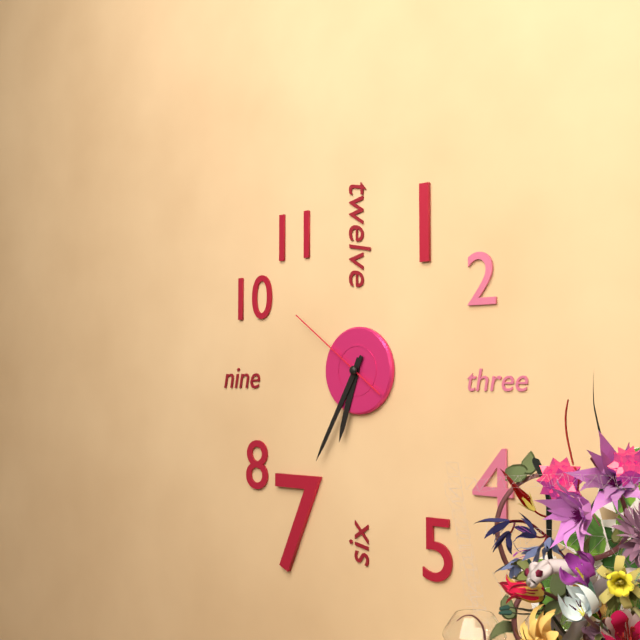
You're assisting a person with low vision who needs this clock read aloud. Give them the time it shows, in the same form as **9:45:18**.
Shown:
**6:35:51**
